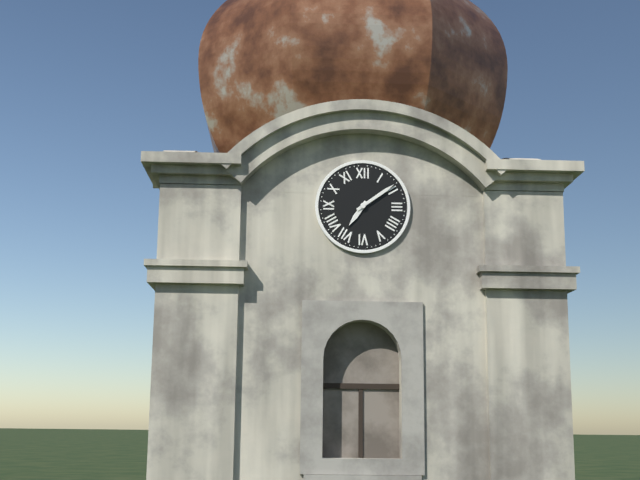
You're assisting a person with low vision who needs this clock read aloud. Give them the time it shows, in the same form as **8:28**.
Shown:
**7:09**
